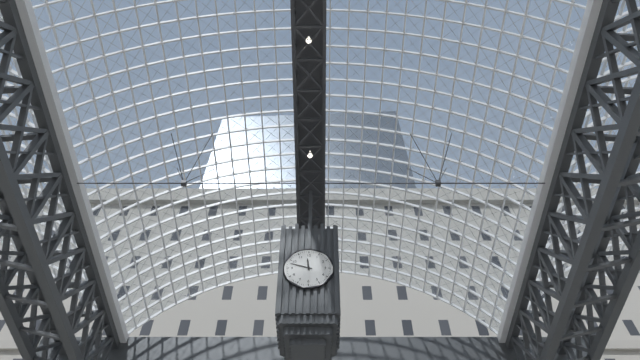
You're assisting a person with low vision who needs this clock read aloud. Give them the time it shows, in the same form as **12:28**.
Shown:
**11:48**
